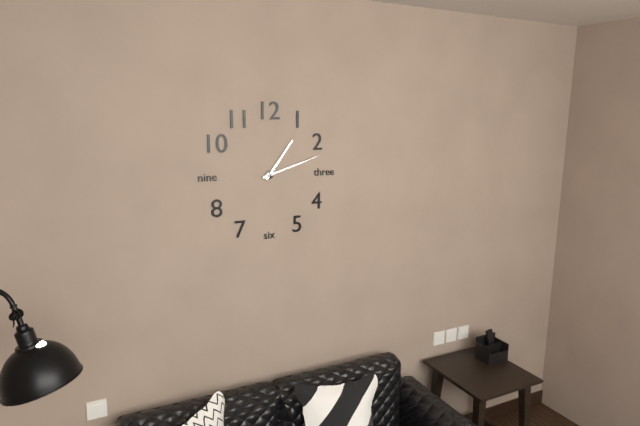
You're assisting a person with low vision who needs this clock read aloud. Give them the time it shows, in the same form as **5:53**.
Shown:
**1:12**
